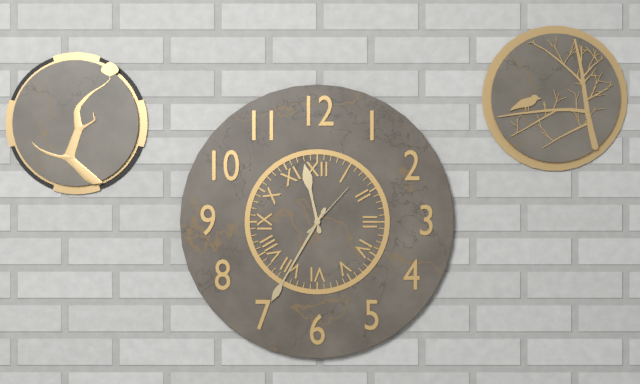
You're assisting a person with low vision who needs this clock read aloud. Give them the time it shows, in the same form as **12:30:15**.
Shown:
**11:35:07**
